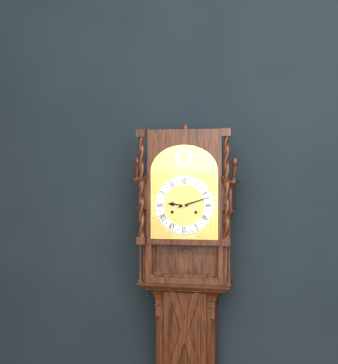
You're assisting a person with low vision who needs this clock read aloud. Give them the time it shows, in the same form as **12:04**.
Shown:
**9:12**
